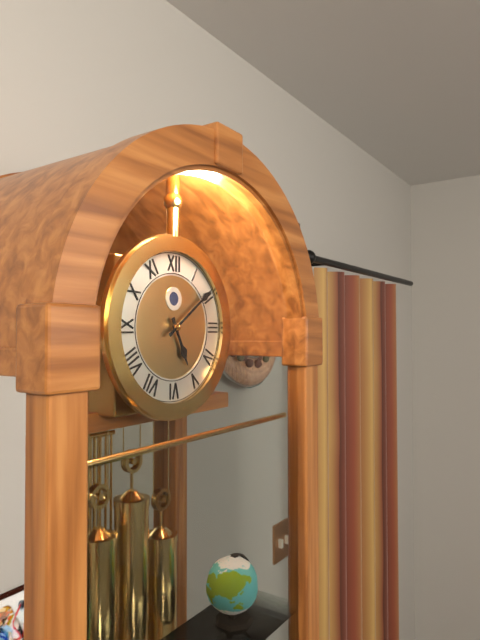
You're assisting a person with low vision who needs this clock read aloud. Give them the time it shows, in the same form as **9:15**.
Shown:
**5:09**
